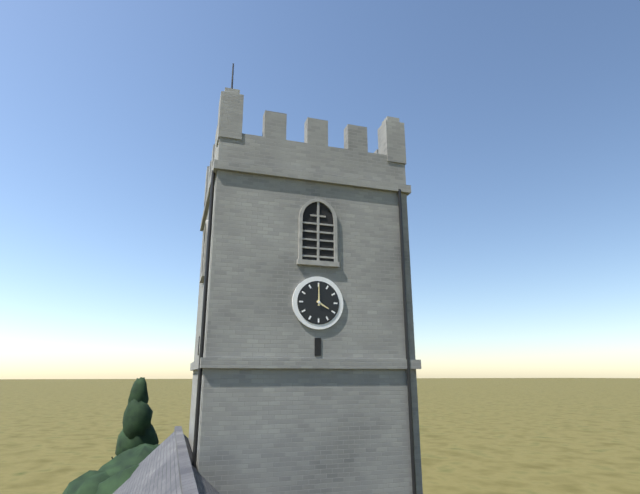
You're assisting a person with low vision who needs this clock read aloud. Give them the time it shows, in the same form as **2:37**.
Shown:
**4:00**
